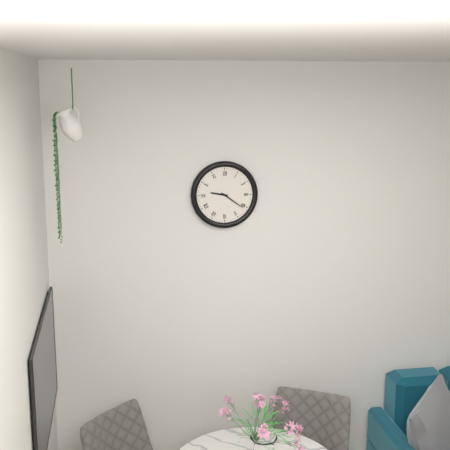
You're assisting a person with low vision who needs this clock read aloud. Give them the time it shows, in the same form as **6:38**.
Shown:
**9:21**
